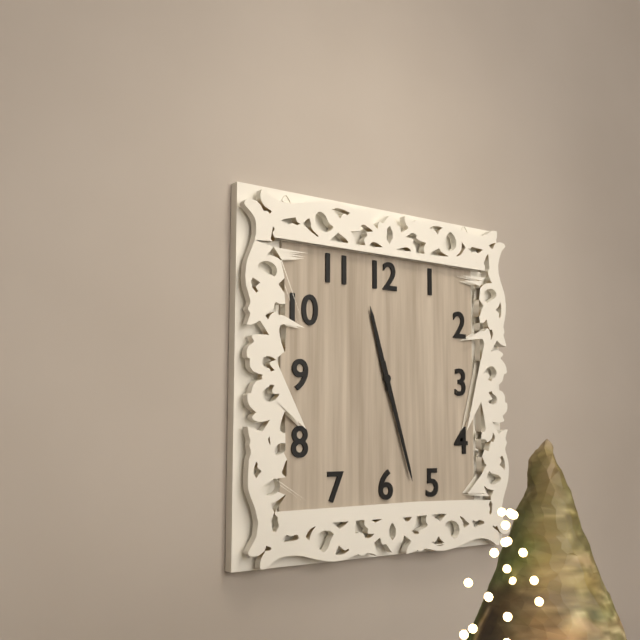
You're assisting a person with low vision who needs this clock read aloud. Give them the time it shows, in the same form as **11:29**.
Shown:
**11:27**
